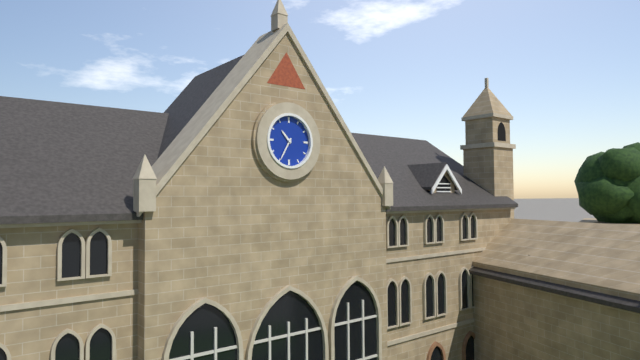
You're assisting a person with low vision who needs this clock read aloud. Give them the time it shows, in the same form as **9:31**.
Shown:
**10:35**
